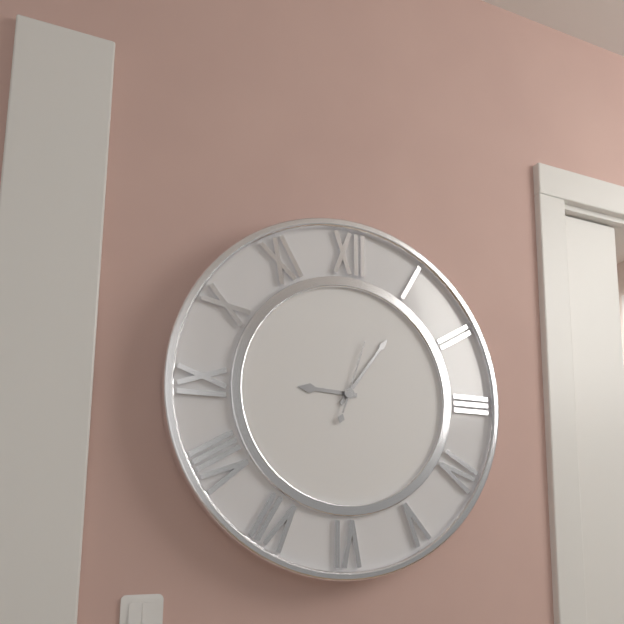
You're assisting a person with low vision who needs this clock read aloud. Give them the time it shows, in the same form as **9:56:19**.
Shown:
**9:06:03**
